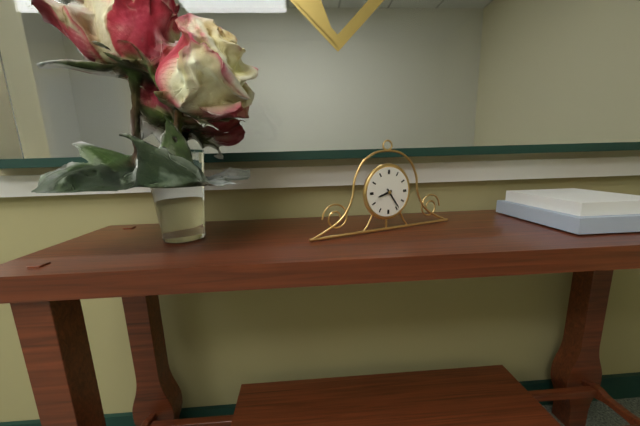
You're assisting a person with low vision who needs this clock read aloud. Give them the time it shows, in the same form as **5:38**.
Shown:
**8:24**
